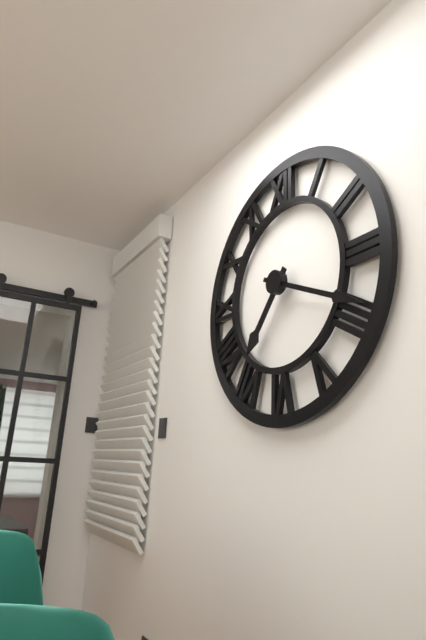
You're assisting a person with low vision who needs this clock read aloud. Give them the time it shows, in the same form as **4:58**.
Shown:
**7:19**
